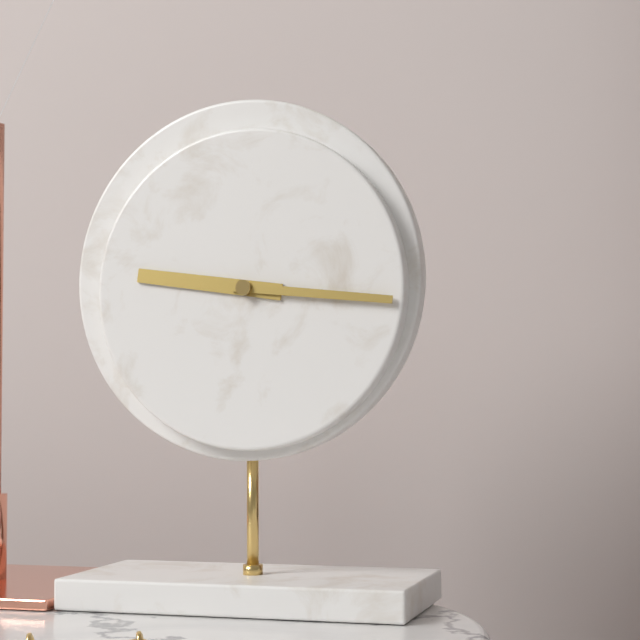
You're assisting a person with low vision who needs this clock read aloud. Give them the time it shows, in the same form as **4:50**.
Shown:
**9:16**
